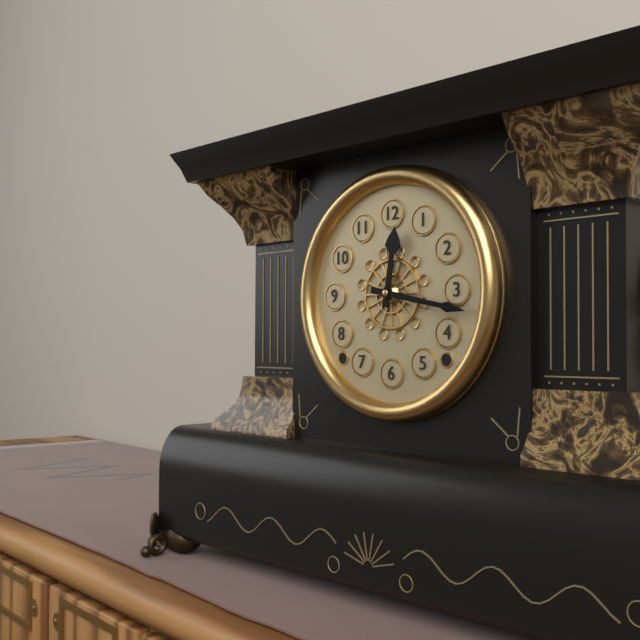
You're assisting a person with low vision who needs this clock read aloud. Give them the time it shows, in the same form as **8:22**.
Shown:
**12:17**
